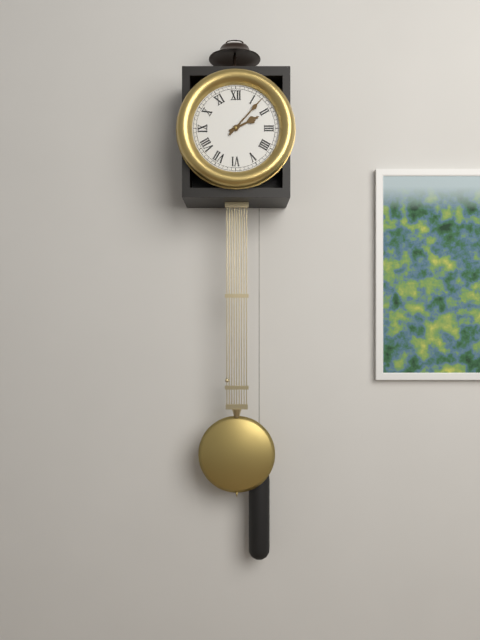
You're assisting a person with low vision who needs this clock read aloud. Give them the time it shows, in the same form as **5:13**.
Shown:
**2:07**
